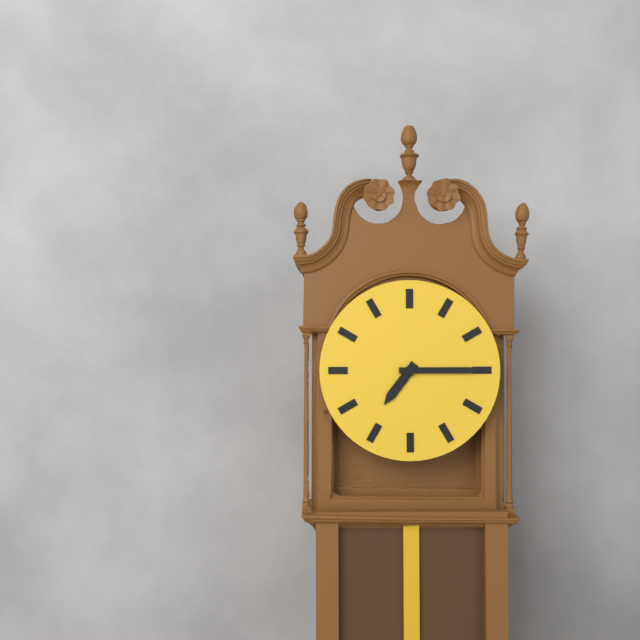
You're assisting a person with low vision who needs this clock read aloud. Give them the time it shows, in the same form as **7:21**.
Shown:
**7:15**
